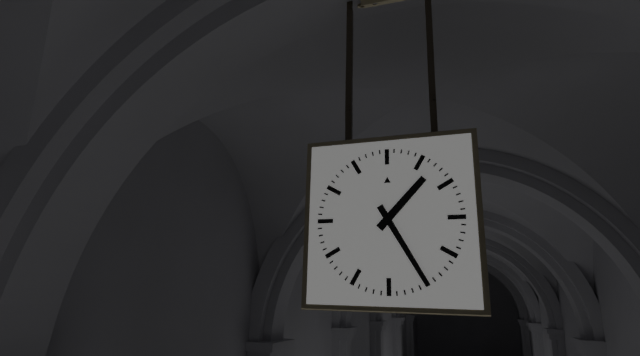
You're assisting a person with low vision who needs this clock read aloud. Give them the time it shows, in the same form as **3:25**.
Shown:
**1:25**
